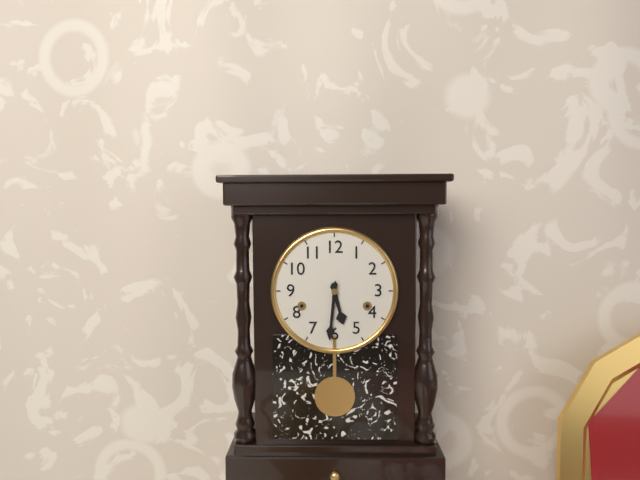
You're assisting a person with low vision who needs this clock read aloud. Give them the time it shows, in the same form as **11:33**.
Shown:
**5:31**
